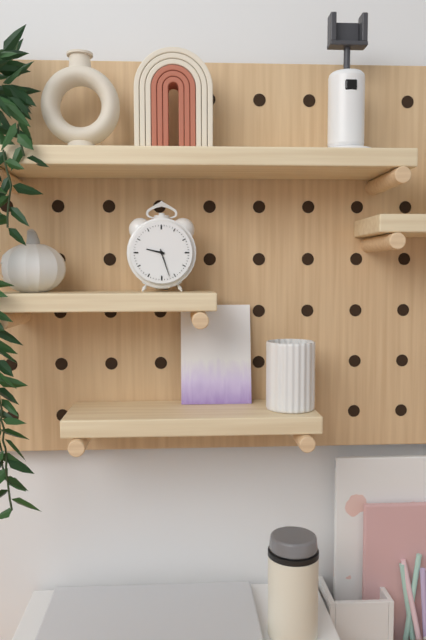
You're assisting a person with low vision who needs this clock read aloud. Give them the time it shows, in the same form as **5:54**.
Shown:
**9:27**
